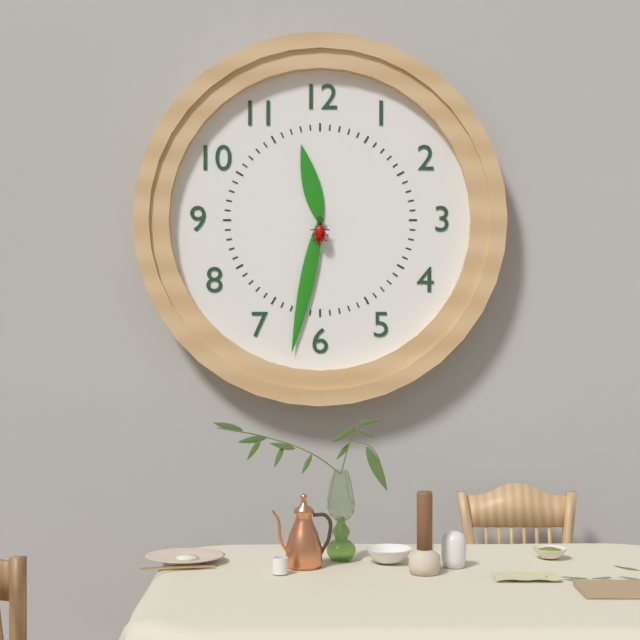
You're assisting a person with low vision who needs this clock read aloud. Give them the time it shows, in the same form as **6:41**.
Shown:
**11:32**
